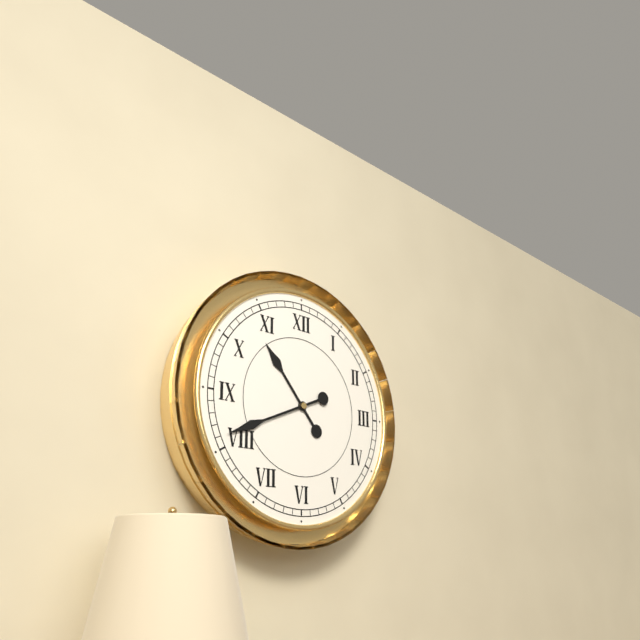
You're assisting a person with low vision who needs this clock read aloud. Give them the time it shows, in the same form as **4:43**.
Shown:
**10:41**
